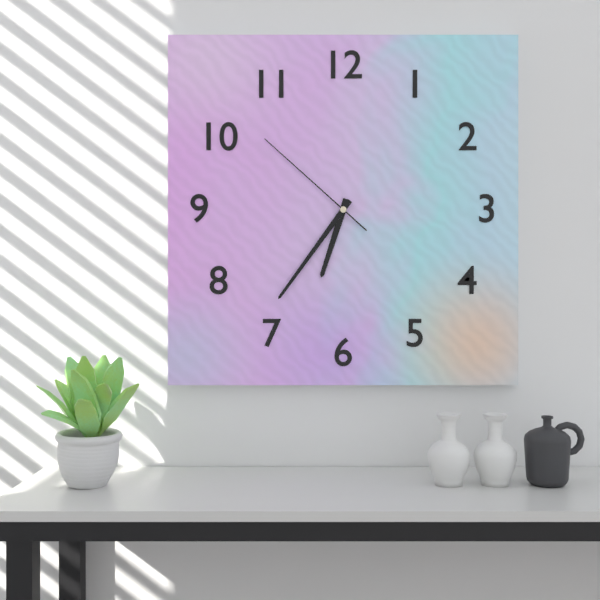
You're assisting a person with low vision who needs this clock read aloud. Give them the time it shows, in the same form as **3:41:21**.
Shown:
**6:36:52**
